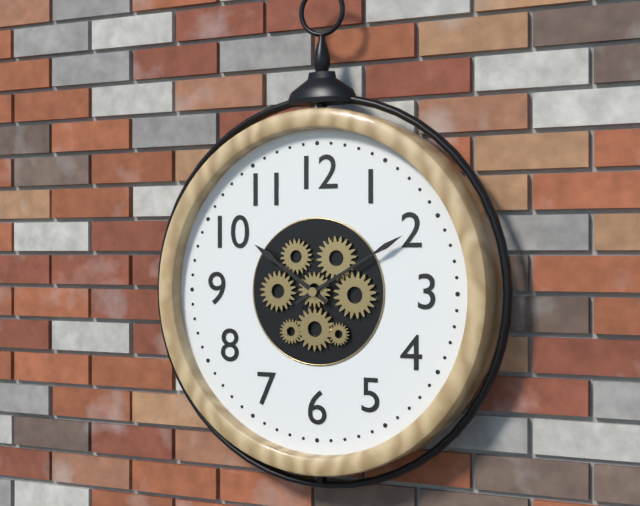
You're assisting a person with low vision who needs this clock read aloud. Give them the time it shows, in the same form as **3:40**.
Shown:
**10:10**
